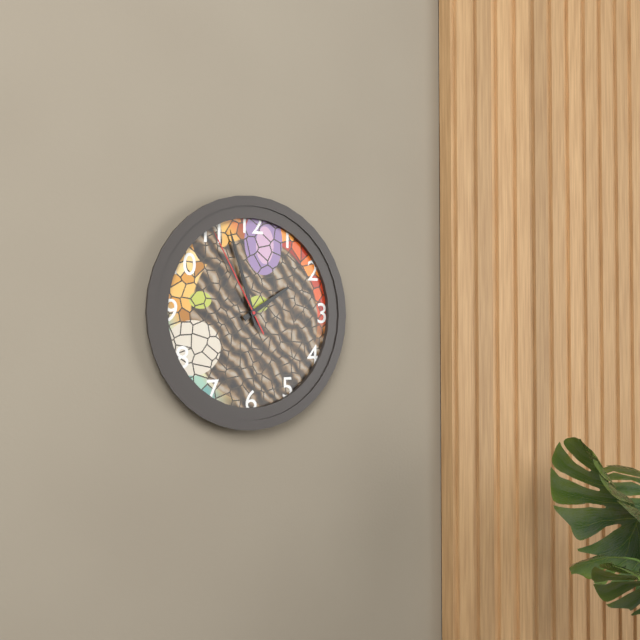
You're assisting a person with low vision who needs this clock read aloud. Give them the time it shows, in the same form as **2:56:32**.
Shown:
**1:57:55**
